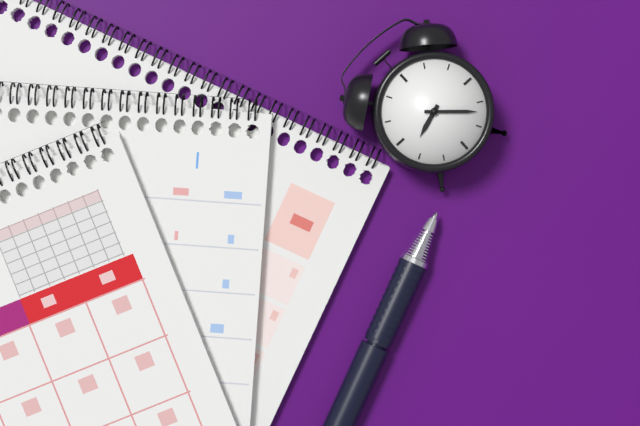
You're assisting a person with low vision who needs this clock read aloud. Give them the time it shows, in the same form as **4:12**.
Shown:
**8:22**
